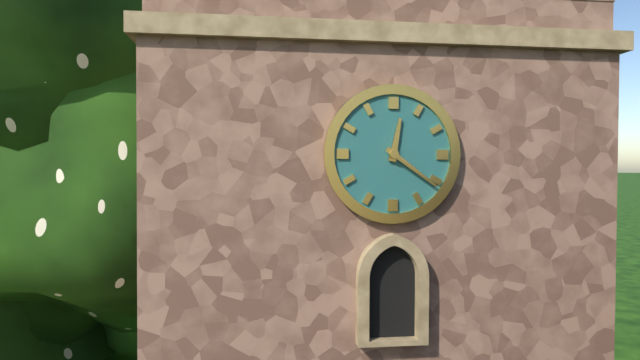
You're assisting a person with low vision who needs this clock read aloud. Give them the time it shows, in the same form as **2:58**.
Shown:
**12:21**
